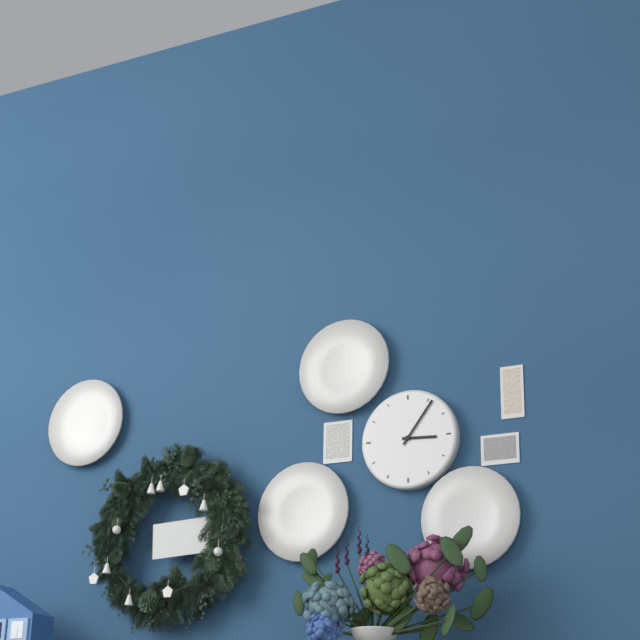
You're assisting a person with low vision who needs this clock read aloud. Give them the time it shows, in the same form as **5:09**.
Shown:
**3:06**
